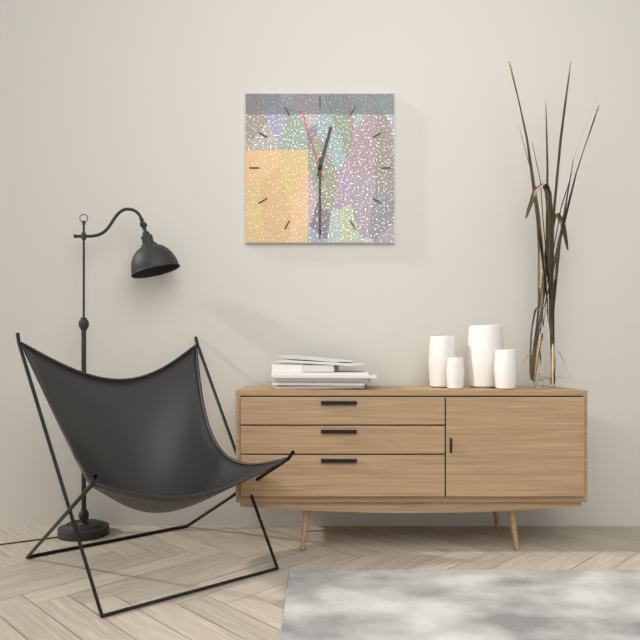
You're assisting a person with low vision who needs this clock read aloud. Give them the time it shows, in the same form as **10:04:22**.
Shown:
**12:30:57**
